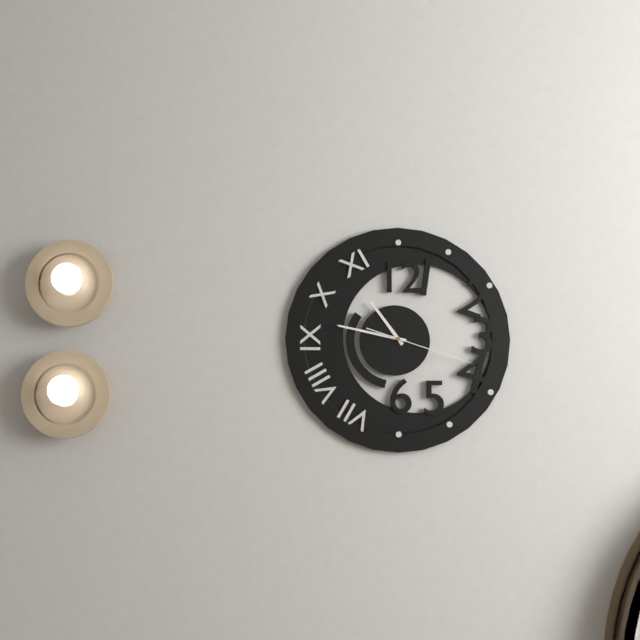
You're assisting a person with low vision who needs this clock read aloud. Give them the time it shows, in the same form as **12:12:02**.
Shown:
**10:47:18**
